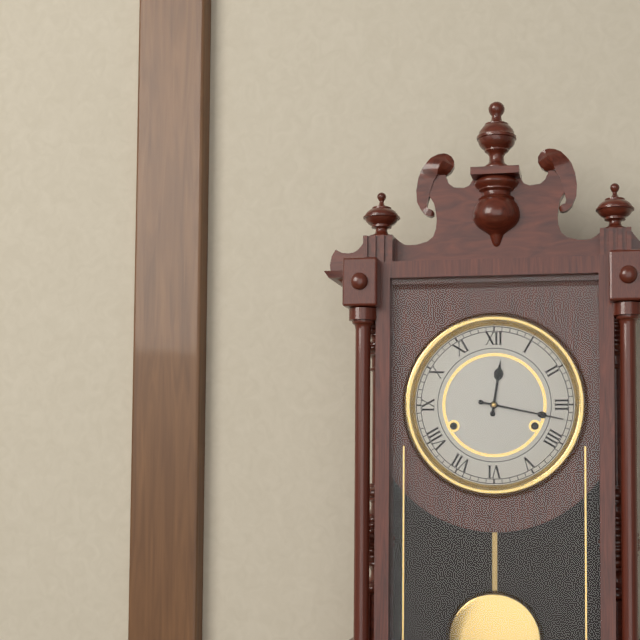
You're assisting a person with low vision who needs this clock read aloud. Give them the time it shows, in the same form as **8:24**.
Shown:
**12:17**
